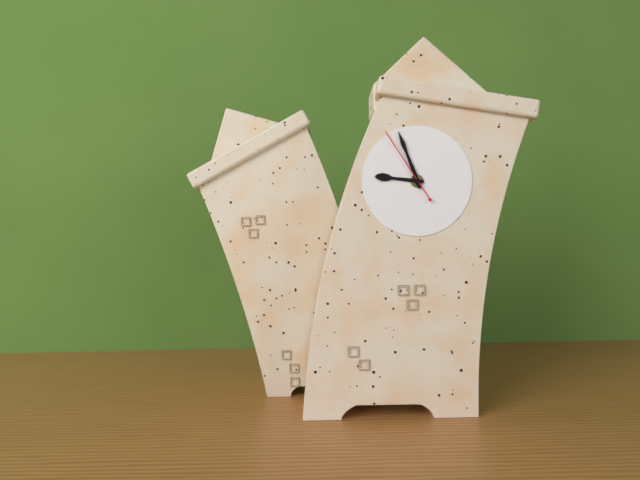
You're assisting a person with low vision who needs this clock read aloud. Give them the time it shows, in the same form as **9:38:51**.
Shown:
**8:55:53**
